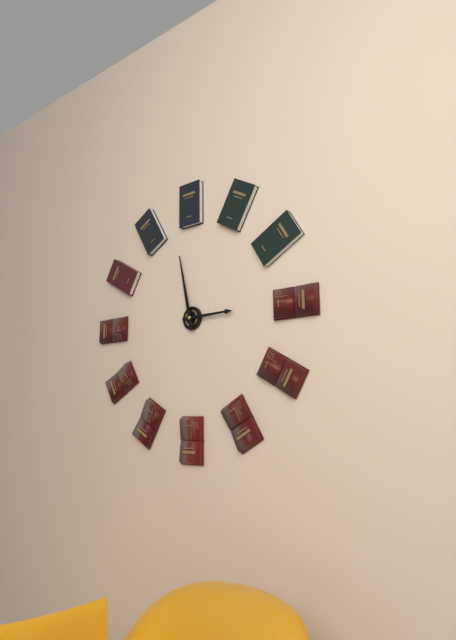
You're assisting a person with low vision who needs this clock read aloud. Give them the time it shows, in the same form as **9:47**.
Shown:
**2:58**
